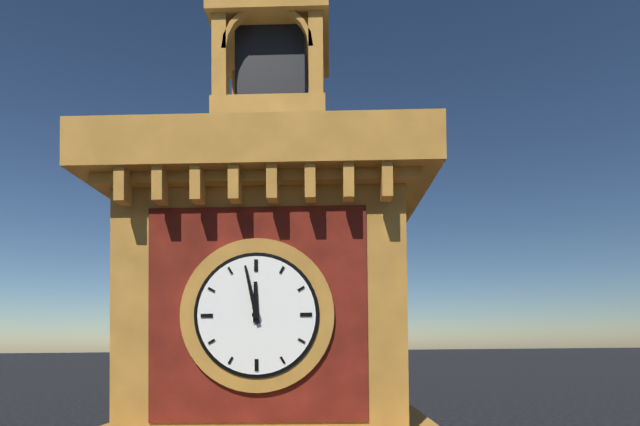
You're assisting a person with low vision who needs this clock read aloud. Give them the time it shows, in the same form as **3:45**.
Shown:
**11:58**
